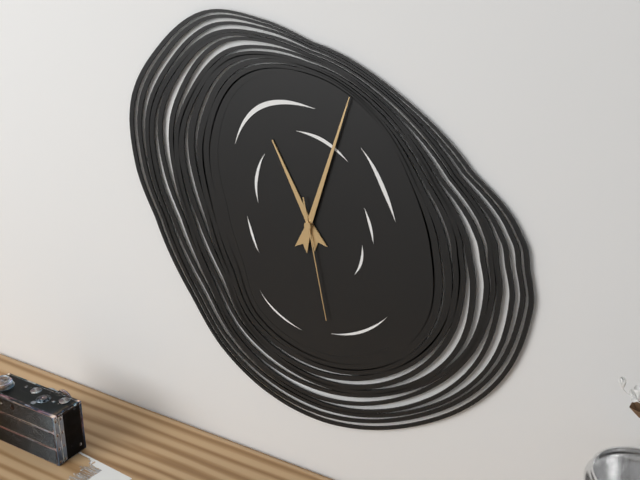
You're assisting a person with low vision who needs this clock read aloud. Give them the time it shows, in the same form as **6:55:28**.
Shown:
**11:03:28**
